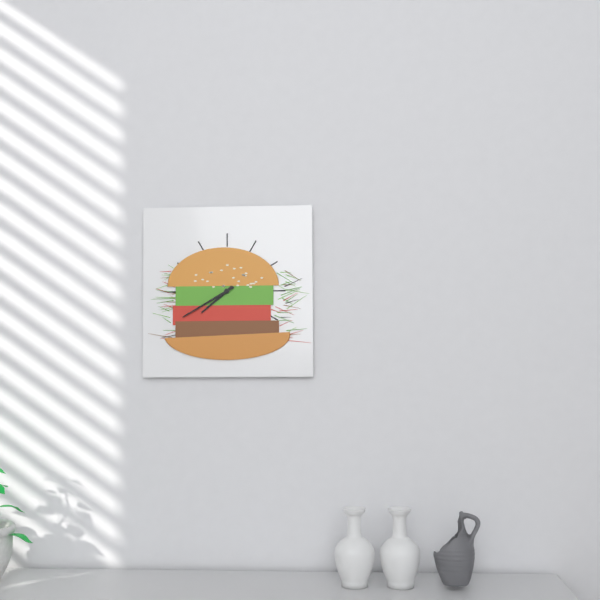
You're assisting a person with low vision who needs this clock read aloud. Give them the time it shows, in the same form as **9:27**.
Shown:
**7:40**
